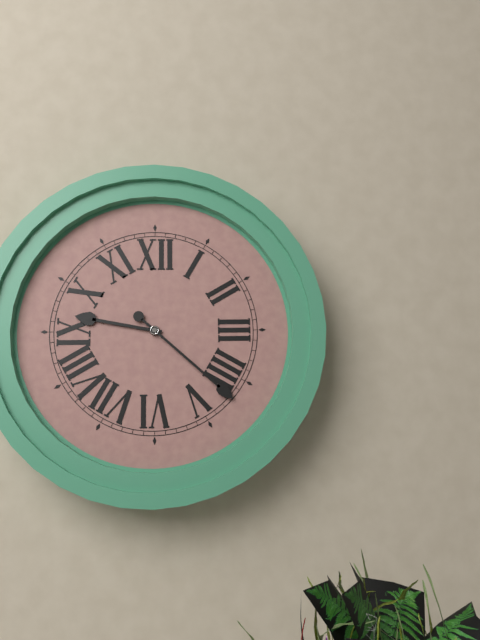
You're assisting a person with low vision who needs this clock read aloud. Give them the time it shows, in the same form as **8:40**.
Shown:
**9:22**
